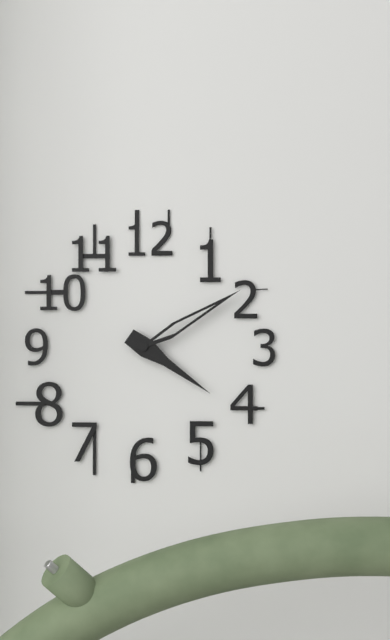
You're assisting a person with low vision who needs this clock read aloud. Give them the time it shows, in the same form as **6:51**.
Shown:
**4:10**
